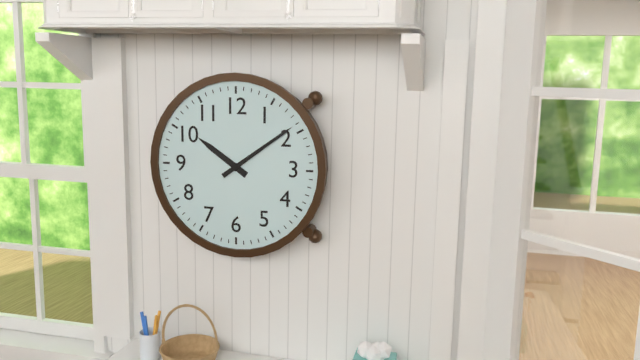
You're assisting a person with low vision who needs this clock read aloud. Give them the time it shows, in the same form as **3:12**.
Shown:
**10:09**
